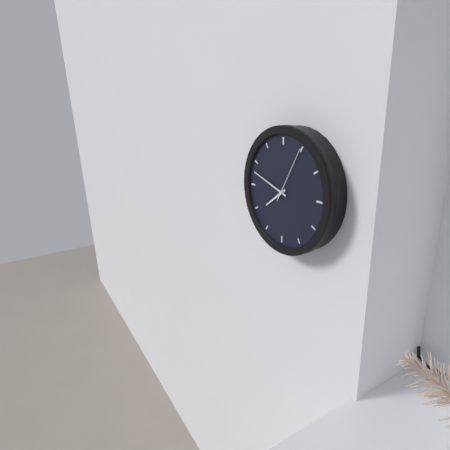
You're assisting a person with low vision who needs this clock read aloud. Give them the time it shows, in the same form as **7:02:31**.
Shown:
**7:48:05**
